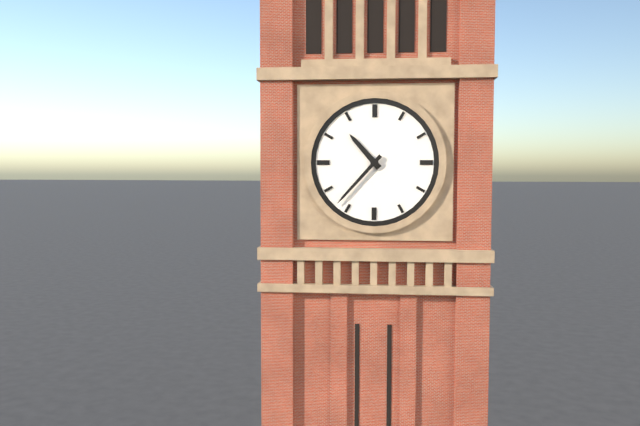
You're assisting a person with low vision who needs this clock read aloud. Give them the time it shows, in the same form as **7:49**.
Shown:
**10:37**
